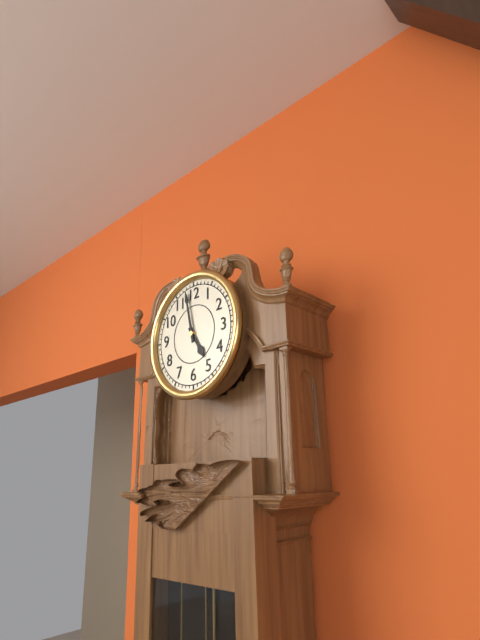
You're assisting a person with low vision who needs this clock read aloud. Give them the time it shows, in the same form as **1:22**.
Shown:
**4:58**
